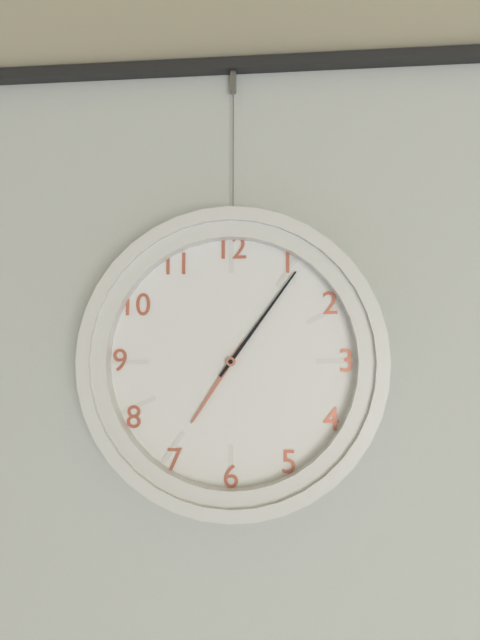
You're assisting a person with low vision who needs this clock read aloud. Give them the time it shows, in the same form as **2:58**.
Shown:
**7:06**
